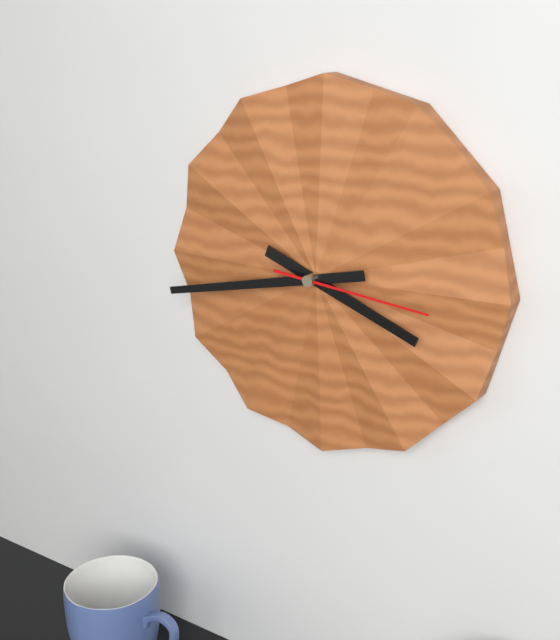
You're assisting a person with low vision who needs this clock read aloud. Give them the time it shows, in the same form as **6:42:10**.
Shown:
**3:43:16**
